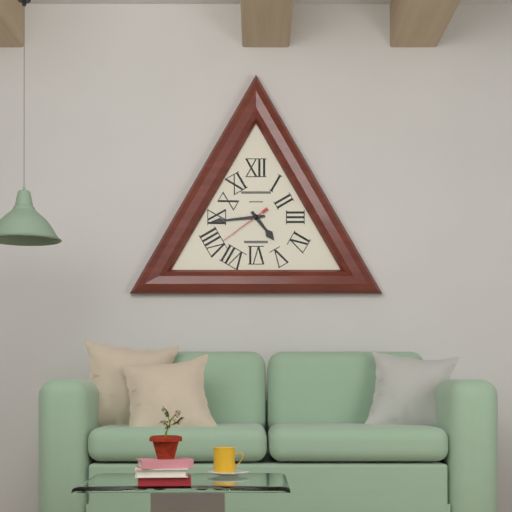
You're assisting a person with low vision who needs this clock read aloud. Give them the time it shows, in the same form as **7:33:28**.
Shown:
**4:44:39**
